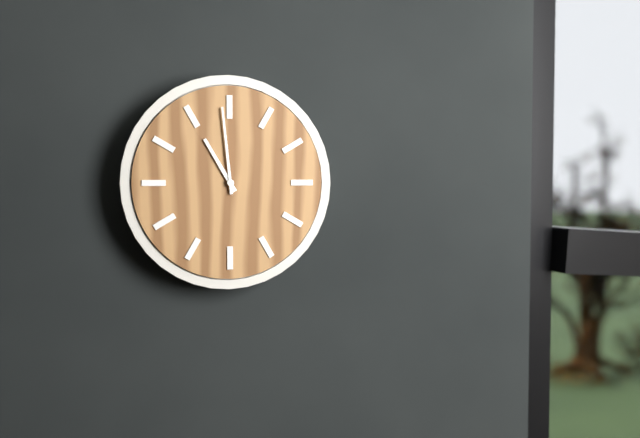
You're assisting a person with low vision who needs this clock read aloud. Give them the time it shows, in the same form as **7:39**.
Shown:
**10:59**
